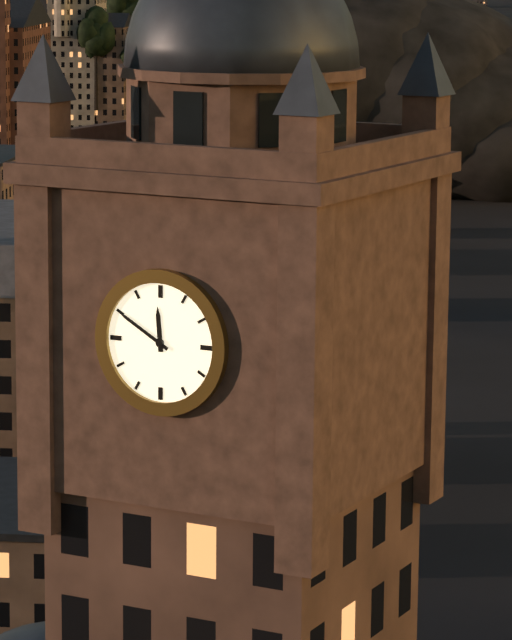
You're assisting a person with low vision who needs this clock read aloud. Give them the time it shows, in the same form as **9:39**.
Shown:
**11:50**
